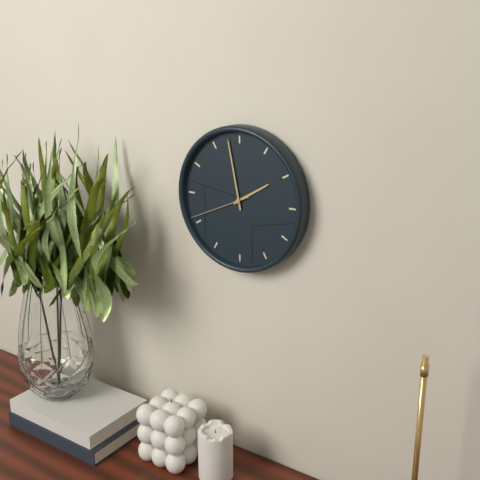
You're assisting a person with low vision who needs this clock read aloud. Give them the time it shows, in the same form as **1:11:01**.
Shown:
**1:58:41**
